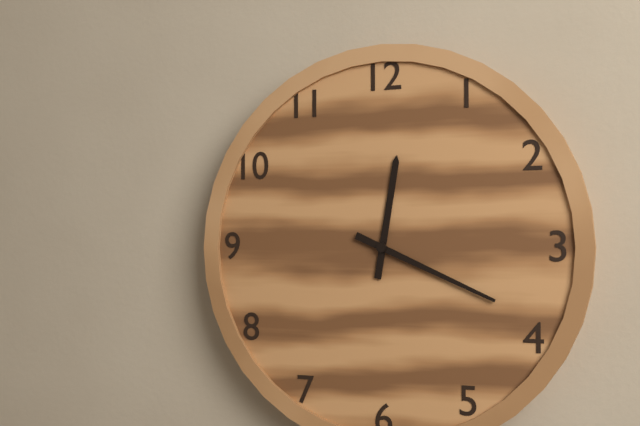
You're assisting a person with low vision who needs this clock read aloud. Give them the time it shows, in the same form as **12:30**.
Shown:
**12:19**
